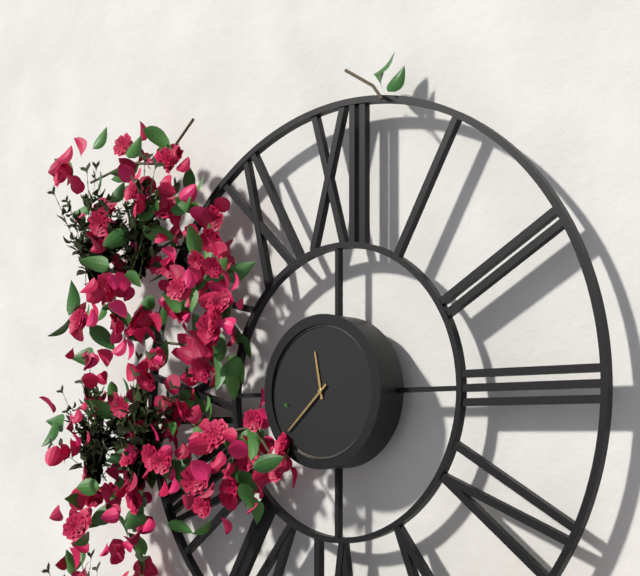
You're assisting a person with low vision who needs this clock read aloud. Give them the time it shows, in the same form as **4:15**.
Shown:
**11:38**
